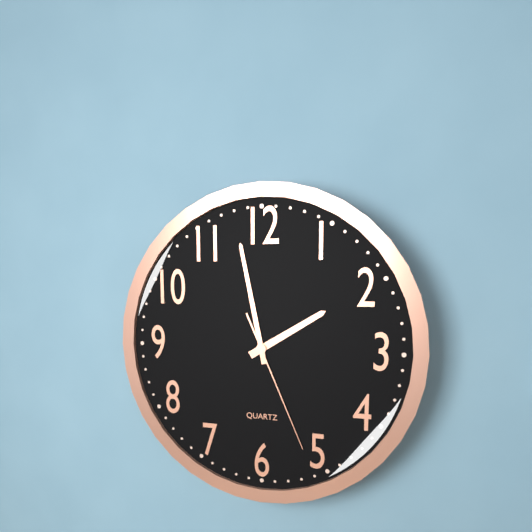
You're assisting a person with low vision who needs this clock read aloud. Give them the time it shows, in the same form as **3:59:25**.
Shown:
**1:58:26**
